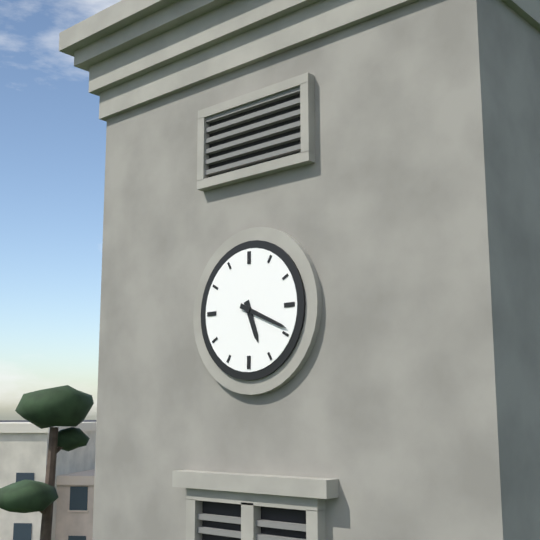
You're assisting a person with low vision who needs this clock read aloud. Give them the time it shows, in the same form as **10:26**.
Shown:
**5:19**
